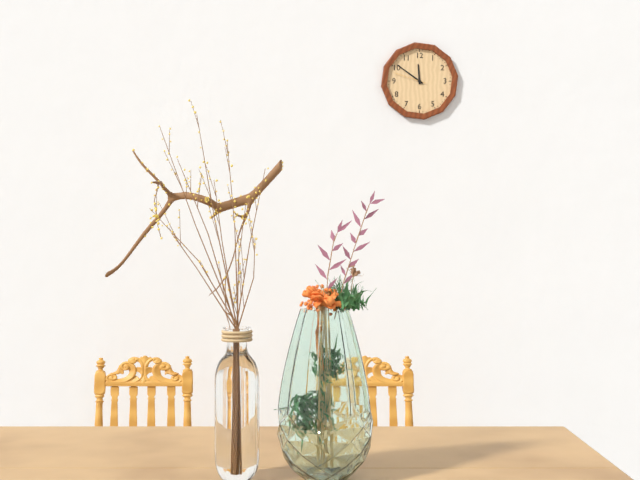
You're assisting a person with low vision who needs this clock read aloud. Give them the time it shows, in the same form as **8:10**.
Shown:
**11:51**
